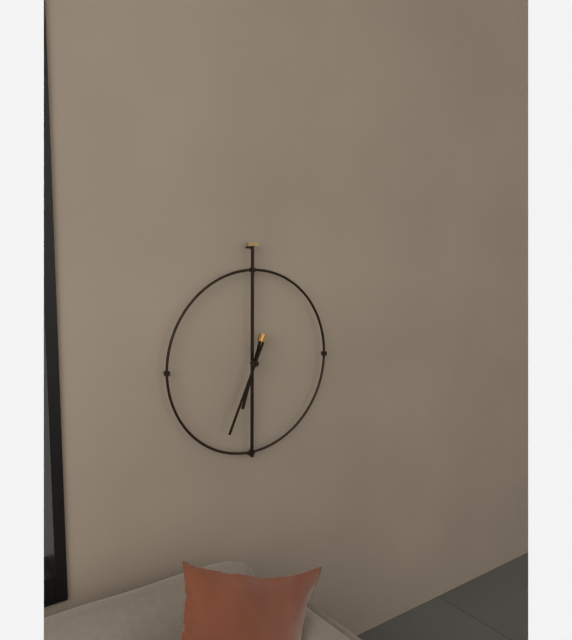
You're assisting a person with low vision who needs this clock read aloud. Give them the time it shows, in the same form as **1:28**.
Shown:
**6:34**
